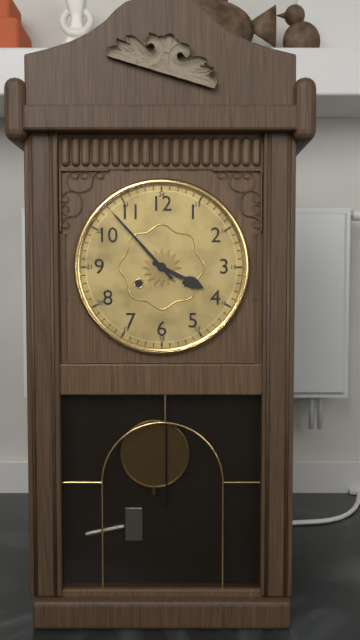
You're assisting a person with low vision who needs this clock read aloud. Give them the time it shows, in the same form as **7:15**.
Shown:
**3:53**
